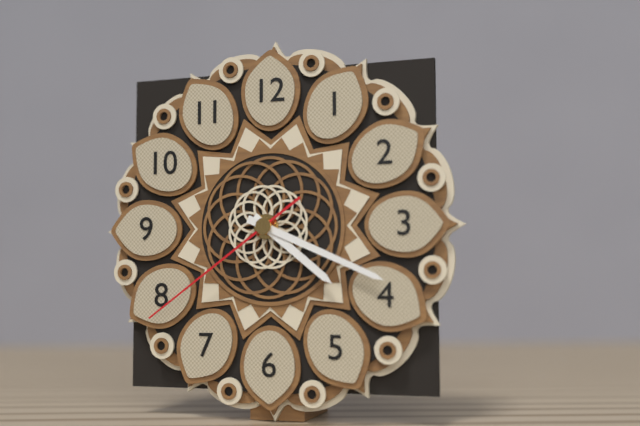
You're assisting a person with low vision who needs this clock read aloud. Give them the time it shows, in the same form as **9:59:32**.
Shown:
**4:19:39**
